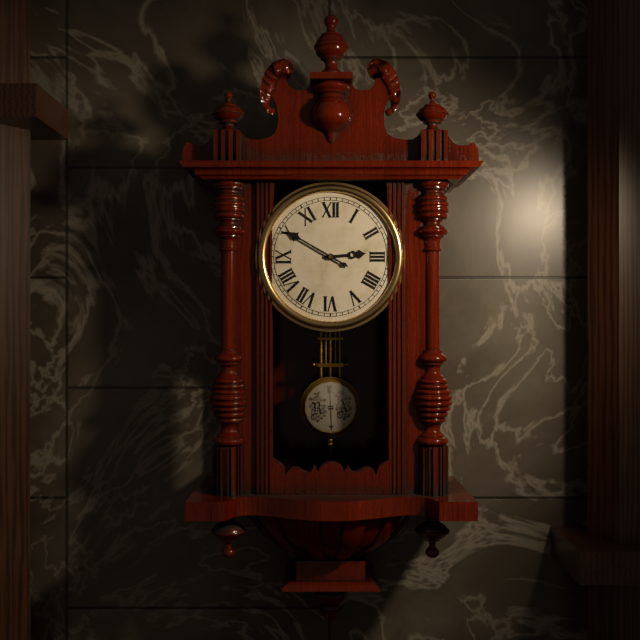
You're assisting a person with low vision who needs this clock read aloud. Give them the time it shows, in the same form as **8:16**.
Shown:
**2:50**
